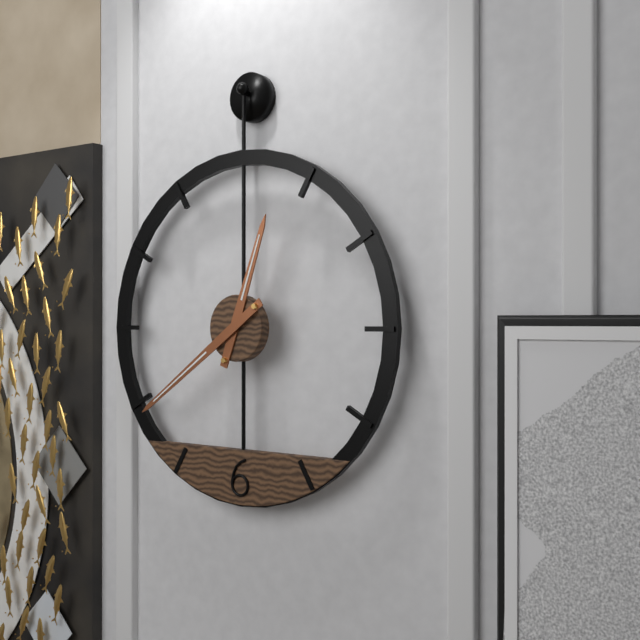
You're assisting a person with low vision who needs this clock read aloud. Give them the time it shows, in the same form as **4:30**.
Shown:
**12:39**
